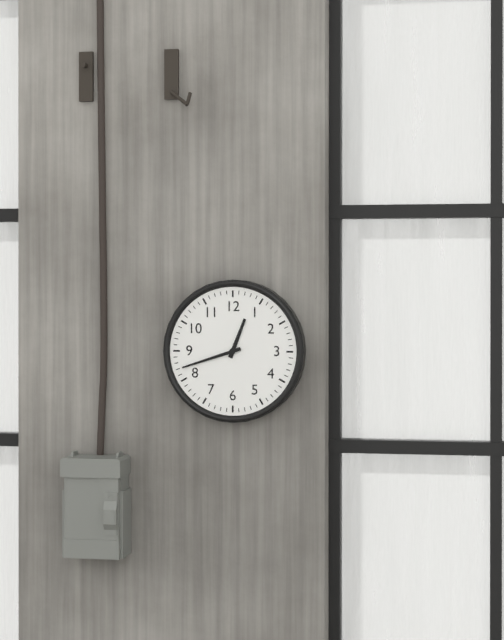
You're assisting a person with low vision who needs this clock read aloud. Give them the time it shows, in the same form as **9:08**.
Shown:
**12:42**
